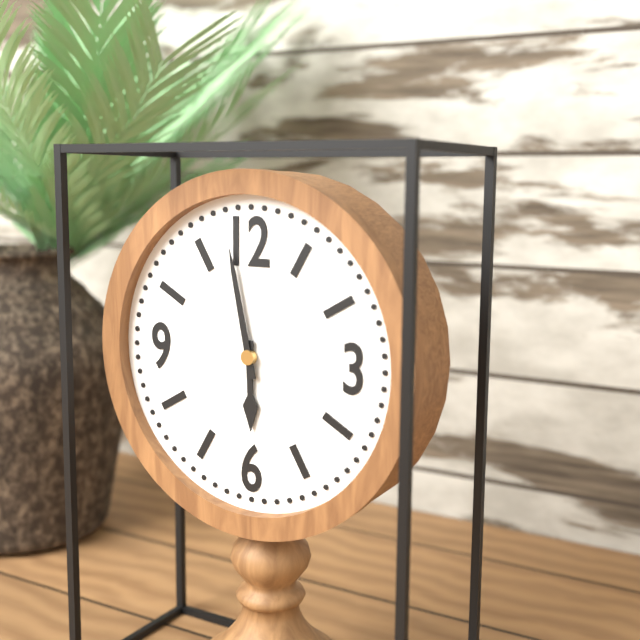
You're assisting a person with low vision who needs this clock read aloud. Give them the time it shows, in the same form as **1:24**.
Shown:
**5:58**
